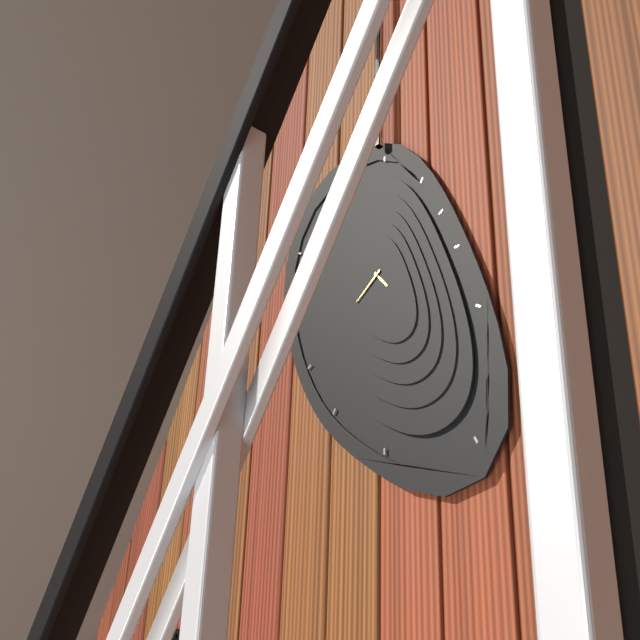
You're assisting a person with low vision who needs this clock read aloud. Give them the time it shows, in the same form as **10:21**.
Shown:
**4:39**
